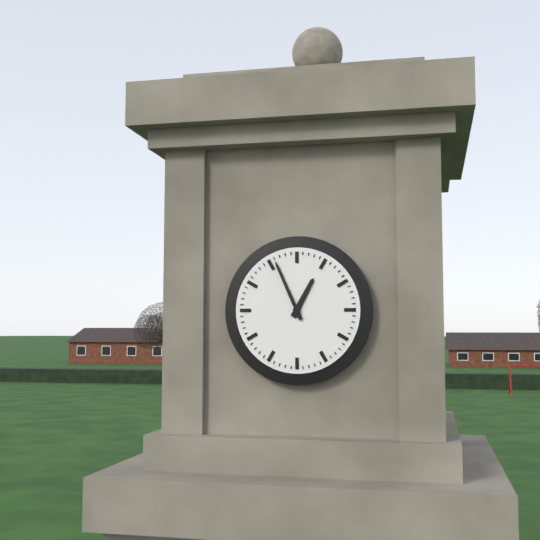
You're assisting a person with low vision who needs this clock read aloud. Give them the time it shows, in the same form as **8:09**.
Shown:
**12:56**
